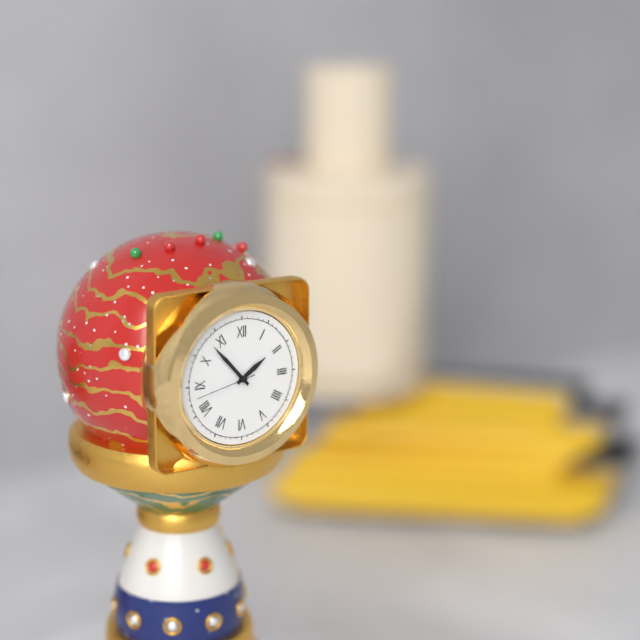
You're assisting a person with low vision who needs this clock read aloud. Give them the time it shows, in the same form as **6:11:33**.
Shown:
**1:53:43**
